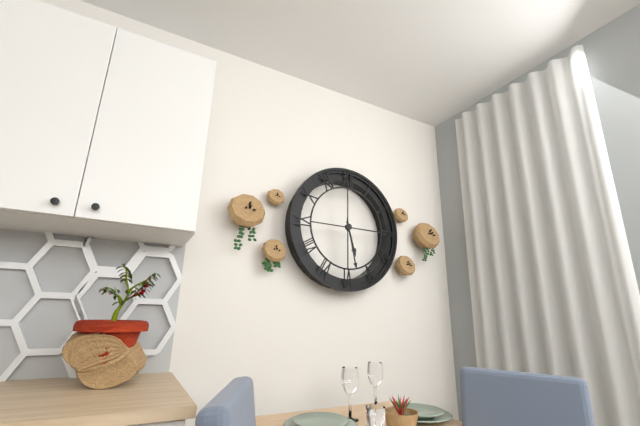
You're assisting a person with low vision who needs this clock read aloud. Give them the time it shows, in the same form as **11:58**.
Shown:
**5:28**
